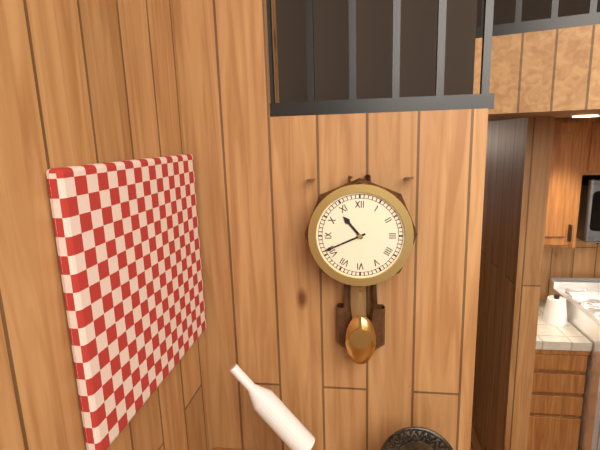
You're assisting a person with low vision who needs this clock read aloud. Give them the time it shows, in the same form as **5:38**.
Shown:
**10:41**
